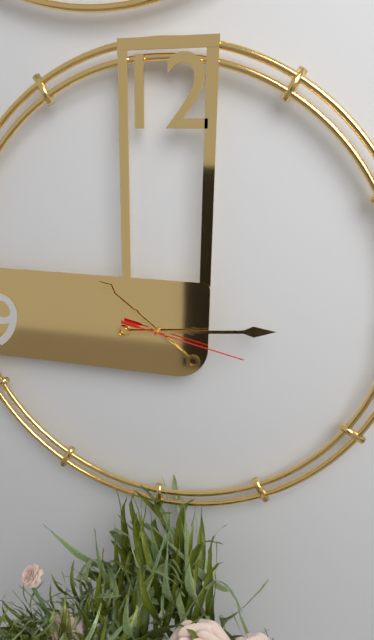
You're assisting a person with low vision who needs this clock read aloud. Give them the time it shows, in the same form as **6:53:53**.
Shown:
**10:14:17**
